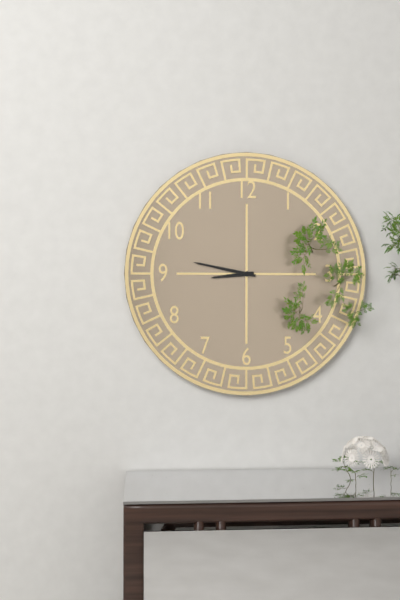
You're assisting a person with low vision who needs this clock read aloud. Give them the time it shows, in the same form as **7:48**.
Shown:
**8:47**
